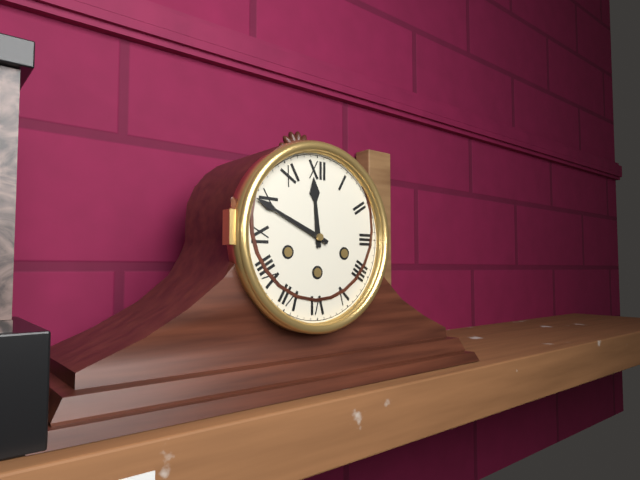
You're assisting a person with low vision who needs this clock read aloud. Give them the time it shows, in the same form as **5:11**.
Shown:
**11:49**
